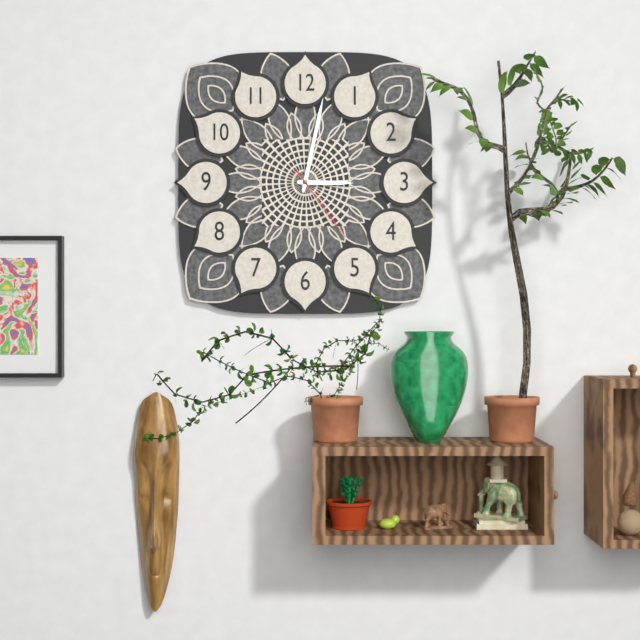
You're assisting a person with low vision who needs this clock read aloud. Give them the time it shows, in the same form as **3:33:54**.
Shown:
**3:02:24**
